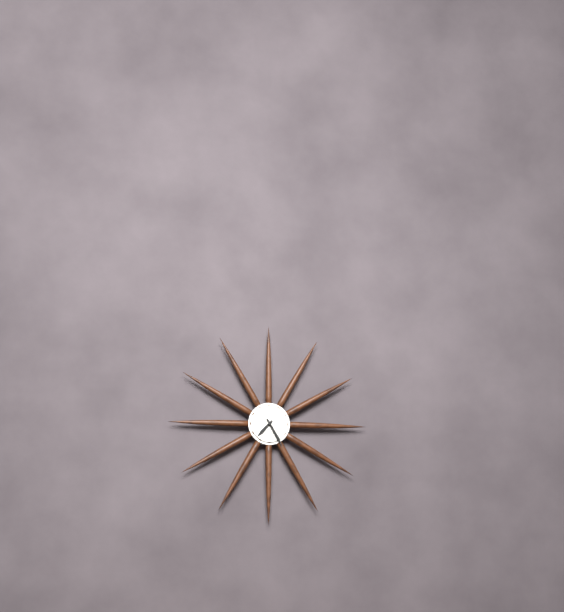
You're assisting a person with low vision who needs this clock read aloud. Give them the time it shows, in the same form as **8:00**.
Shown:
**7:25**
